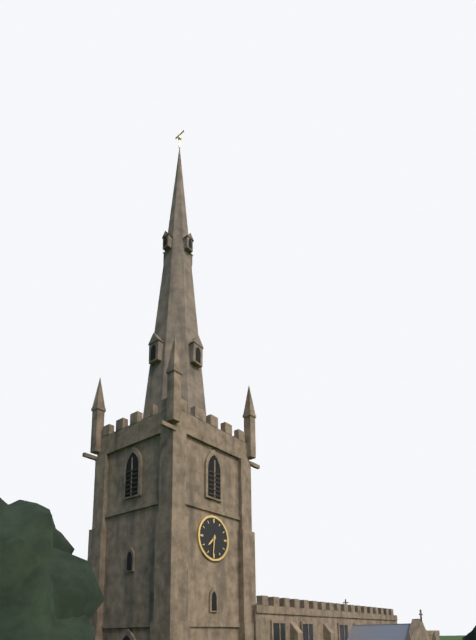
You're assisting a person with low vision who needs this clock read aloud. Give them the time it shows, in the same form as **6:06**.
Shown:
**7:31**
